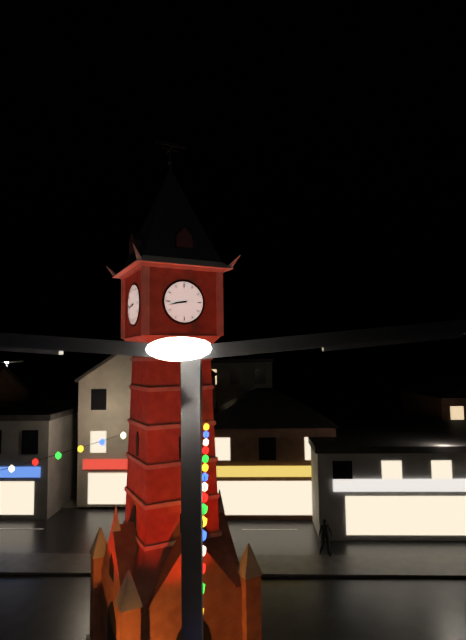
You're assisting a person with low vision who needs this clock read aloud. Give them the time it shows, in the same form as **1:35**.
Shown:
**8:43**
